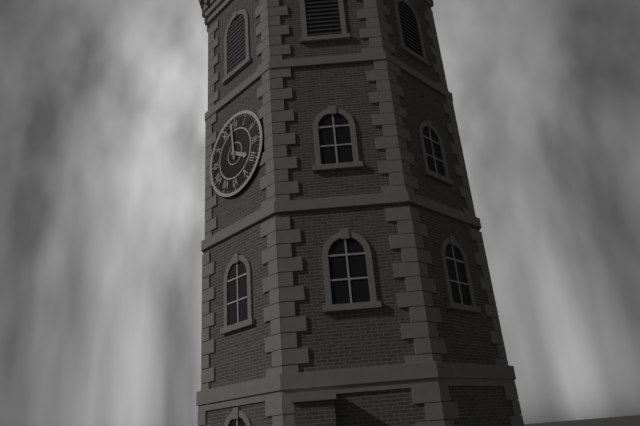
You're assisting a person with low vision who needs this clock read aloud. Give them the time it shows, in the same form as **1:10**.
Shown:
**3:59**
